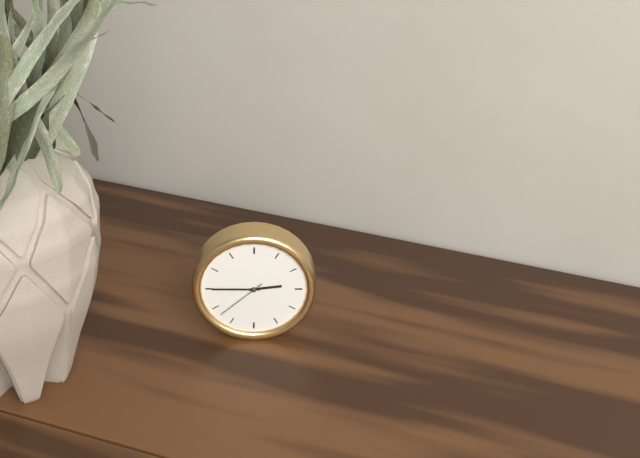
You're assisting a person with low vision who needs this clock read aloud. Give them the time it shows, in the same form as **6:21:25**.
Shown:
**2:45:38**
